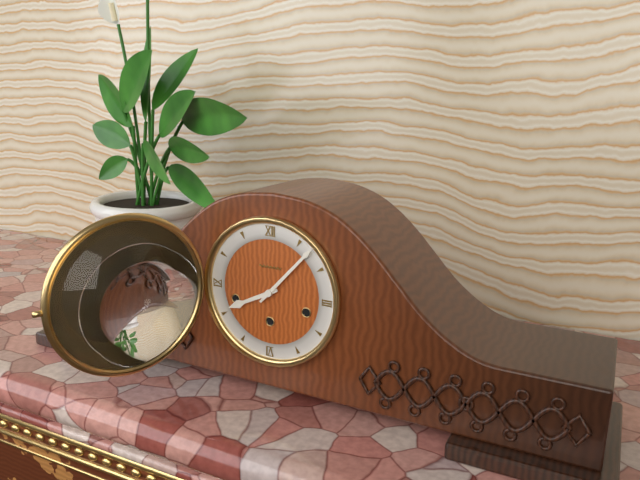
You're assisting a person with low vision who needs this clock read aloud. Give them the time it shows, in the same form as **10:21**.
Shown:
**8:07**
